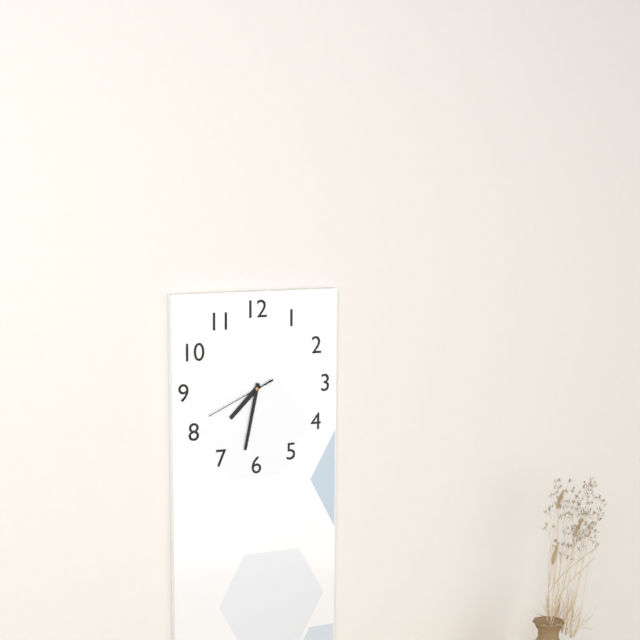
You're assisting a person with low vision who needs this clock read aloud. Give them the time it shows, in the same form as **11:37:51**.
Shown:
**7:32:41**
